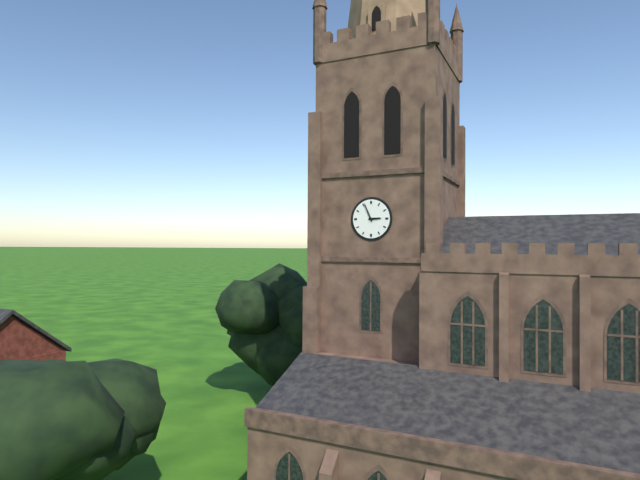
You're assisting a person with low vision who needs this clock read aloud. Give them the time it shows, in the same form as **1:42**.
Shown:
**2:56**
